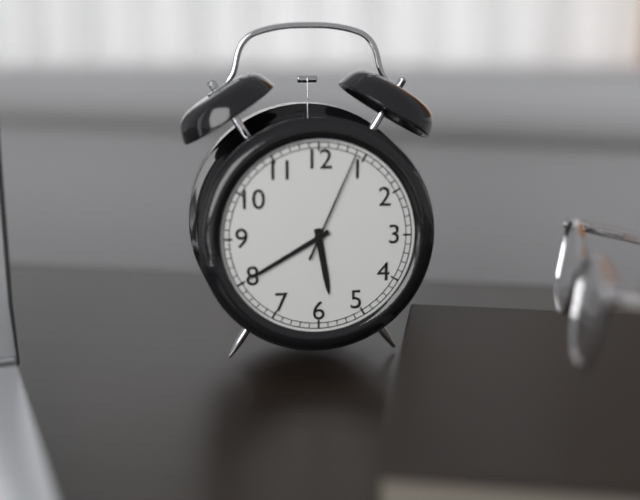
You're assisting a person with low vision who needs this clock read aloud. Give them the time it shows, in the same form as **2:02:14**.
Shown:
**5:40:04**
